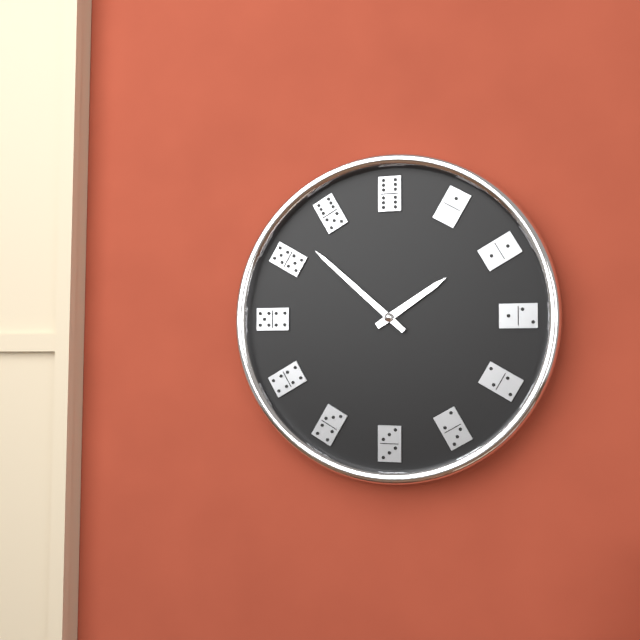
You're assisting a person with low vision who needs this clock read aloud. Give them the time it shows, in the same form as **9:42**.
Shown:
**1:52**
